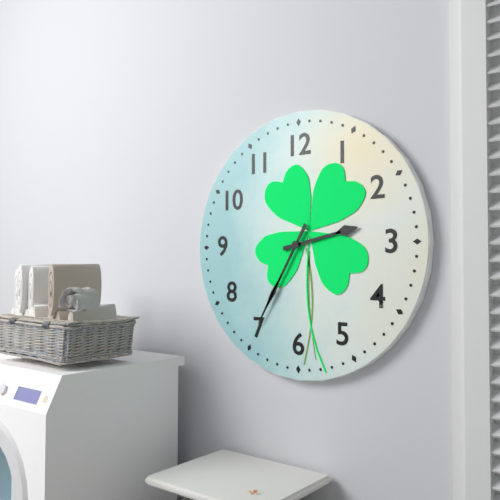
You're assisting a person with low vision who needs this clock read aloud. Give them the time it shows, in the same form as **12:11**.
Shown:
**2:35**
